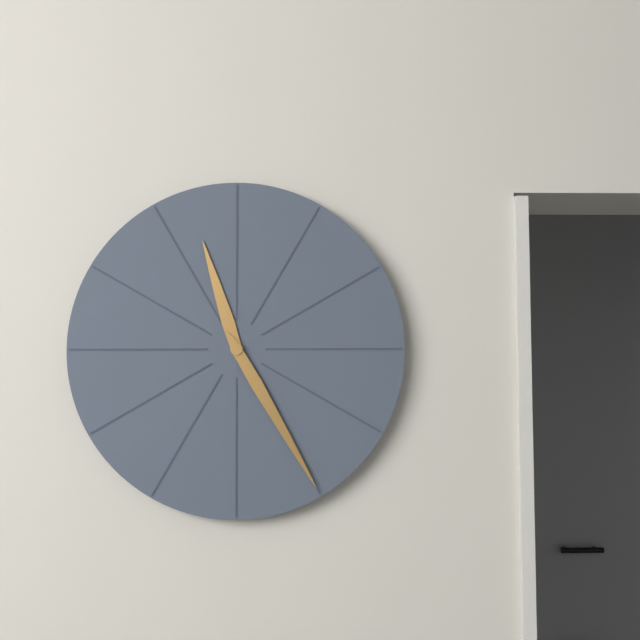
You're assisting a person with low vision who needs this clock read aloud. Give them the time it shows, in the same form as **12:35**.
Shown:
**11:25**
